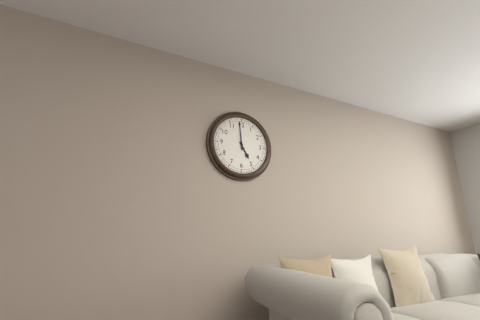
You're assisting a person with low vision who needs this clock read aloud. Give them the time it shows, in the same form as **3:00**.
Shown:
**4:59**
